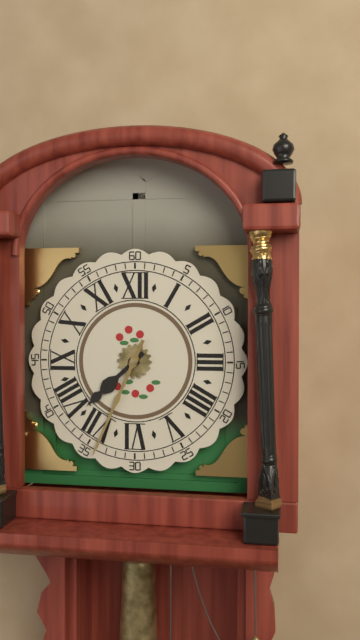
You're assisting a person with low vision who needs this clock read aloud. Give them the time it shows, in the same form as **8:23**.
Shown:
**7:34**
